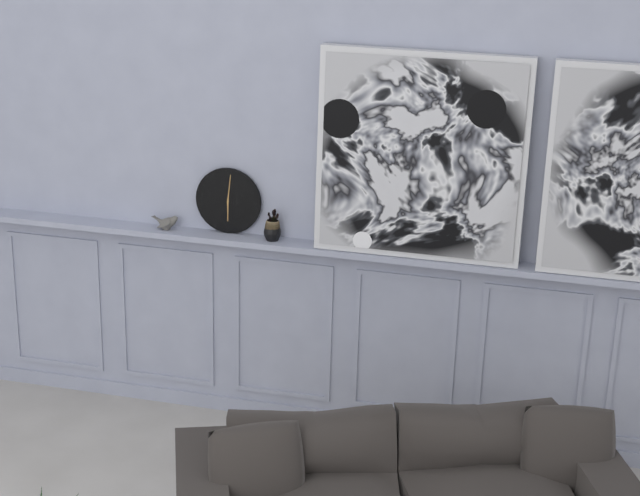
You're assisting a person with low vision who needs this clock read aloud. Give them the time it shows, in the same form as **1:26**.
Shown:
**6:01**
